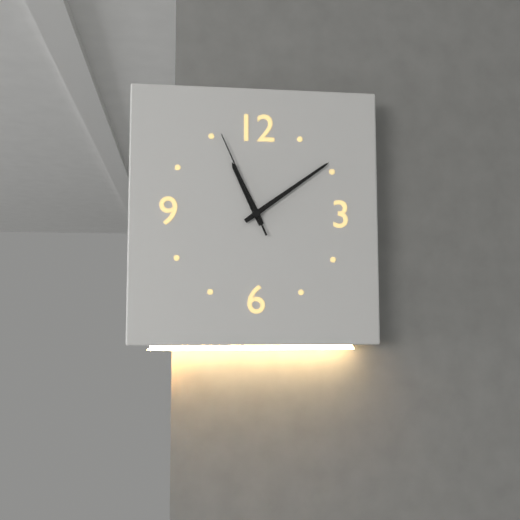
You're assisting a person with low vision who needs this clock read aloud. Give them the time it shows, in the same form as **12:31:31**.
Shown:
**11:09:56**
